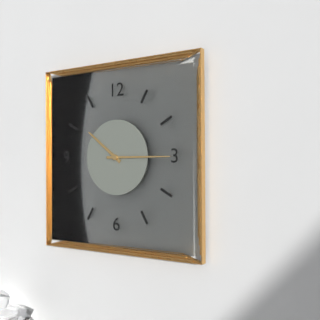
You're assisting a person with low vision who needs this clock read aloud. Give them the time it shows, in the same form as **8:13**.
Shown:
**10:15**
